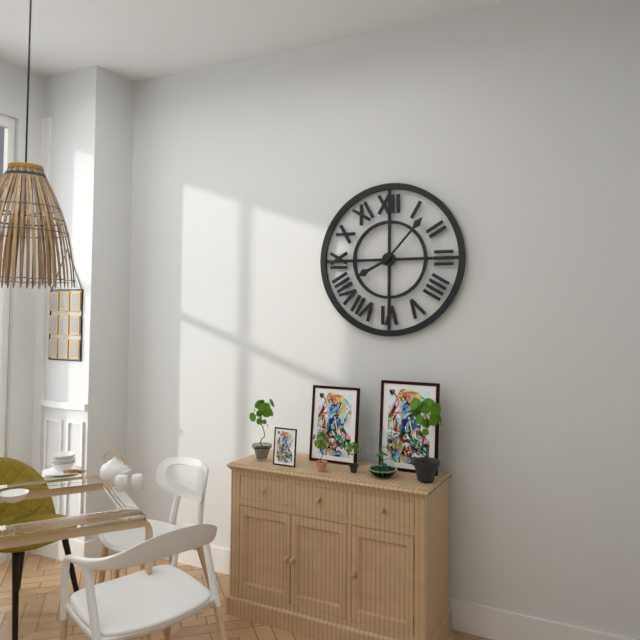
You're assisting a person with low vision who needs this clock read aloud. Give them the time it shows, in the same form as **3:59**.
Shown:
**8:07**
